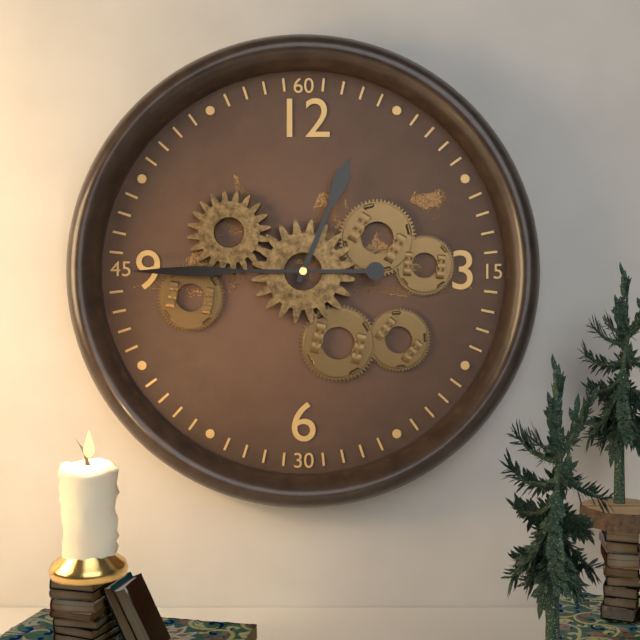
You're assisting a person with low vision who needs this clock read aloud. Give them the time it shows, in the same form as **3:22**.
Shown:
**12:45**
